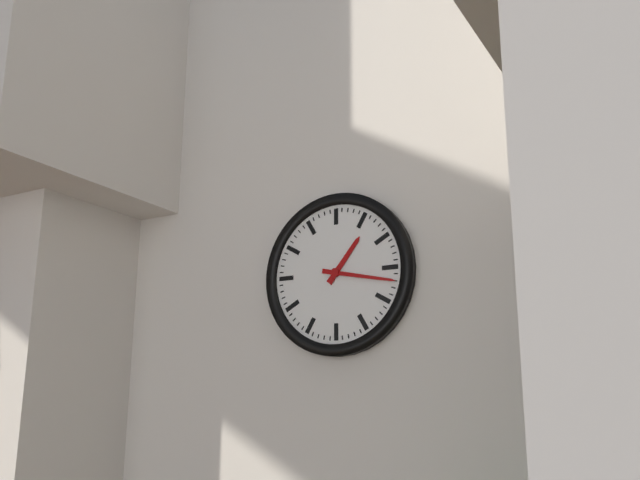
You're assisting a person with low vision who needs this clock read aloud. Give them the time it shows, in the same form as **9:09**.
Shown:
**1:17**
